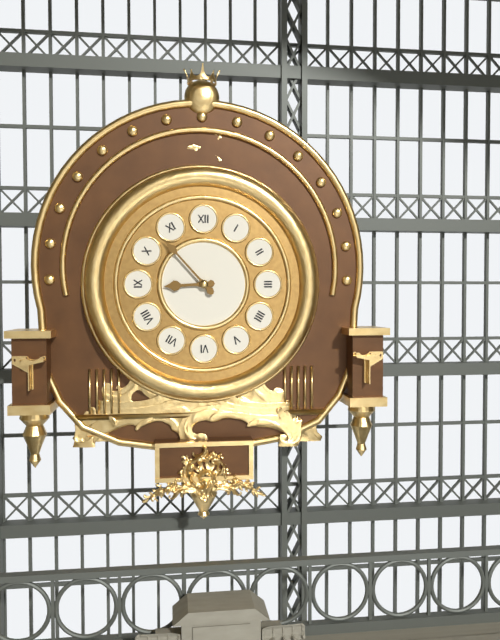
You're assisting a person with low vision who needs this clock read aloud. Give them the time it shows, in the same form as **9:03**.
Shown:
**8:53**
